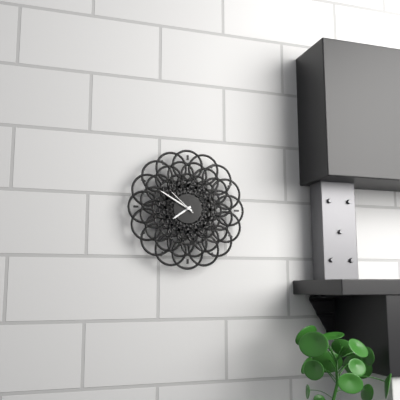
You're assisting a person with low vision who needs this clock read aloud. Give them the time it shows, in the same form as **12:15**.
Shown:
**7:50**
